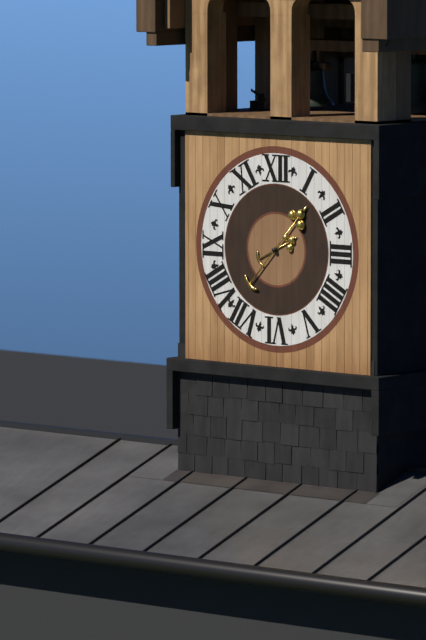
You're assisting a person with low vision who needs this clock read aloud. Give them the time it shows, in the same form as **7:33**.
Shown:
**2:07**
